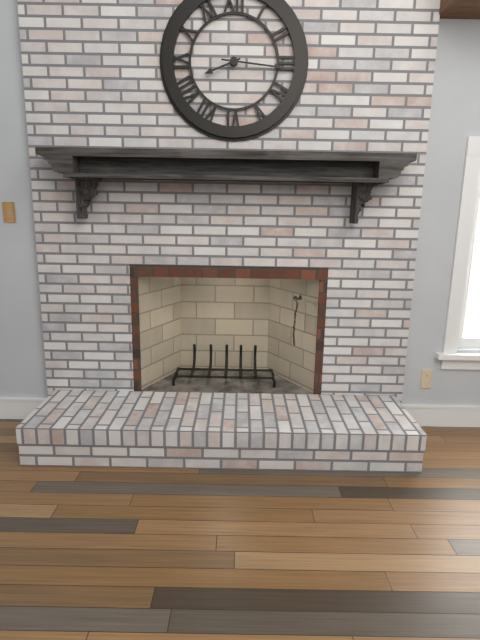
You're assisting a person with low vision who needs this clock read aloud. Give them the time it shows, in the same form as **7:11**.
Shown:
**8:16**
